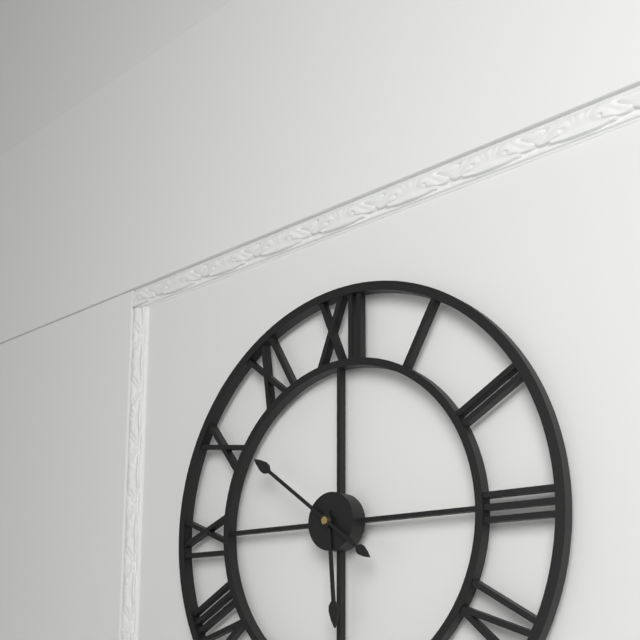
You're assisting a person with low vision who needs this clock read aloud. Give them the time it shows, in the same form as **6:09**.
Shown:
**5:51**
